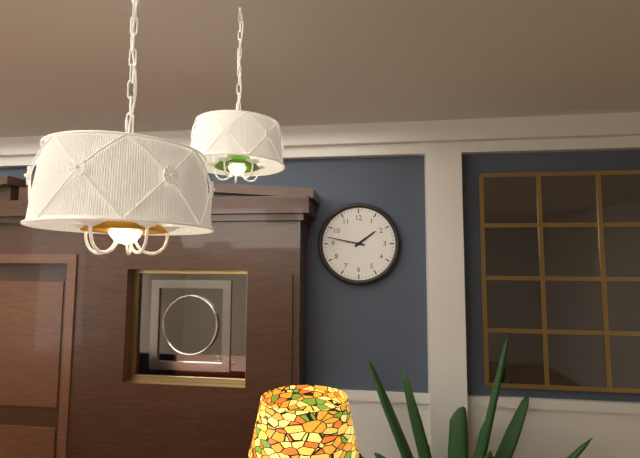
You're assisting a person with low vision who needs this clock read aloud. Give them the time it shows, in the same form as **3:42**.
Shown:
**1:47**
